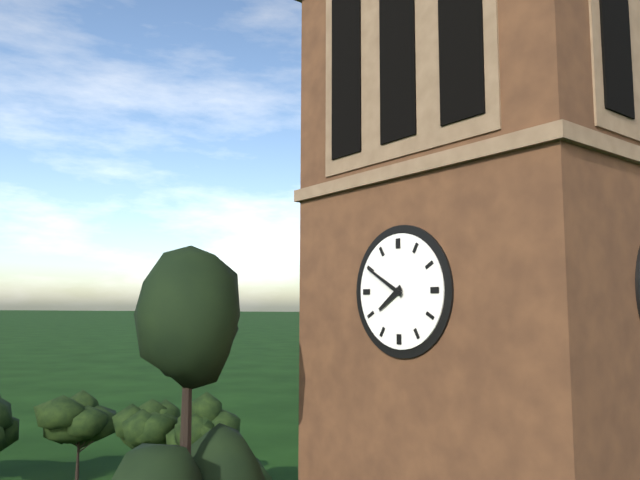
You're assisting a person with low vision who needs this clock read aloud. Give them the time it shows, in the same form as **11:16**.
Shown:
**7:50**
